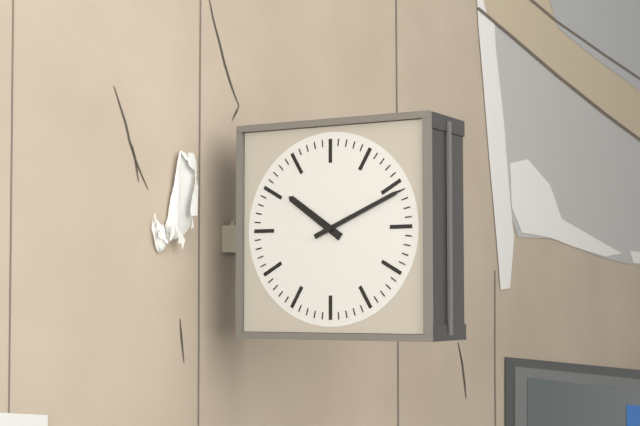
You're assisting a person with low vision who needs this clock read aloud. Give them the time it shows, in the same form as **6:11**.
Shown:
**10:11**
